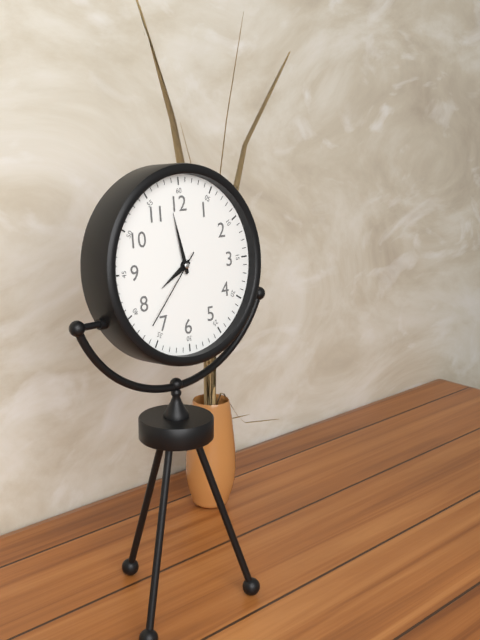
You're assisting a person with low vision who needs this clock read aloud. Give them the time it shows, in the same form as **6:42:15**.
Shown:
**7:58:37**
